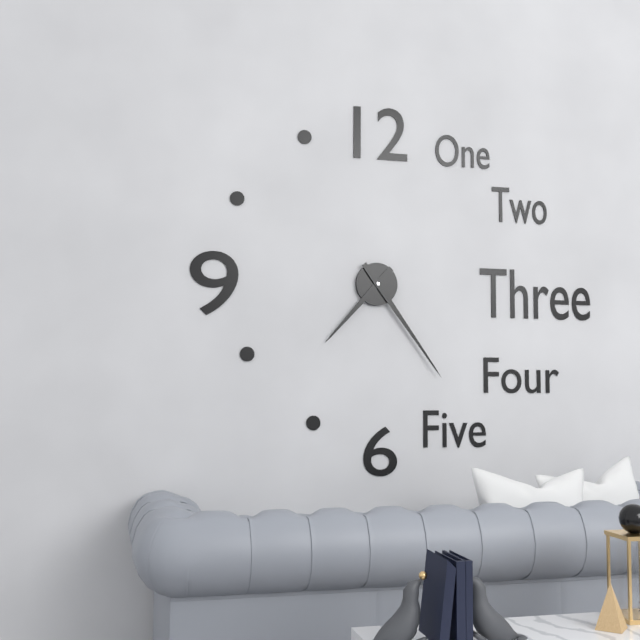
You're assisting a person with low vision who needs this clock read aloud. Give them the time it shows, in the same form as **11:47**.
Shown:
**7:24**
